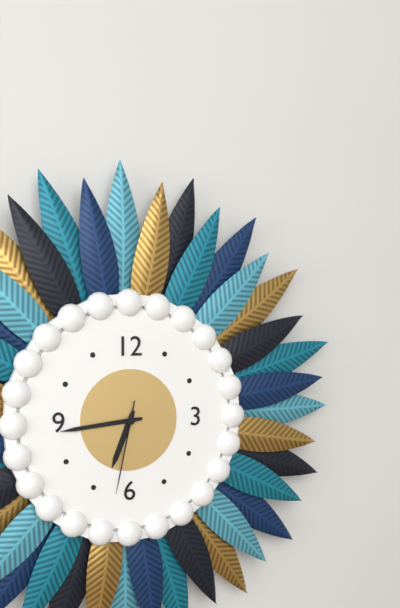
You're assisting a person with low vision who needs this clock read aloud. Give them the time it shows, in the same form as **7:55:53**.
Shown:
**6:44:32**
